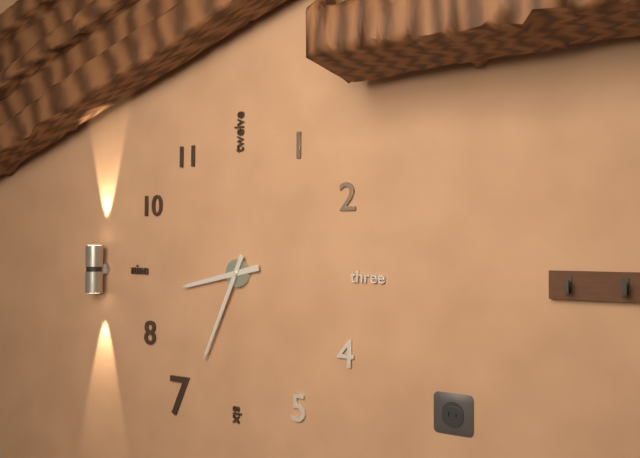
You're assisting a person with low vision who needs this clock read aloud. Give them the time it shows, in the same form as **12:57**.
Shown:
**8:34**
